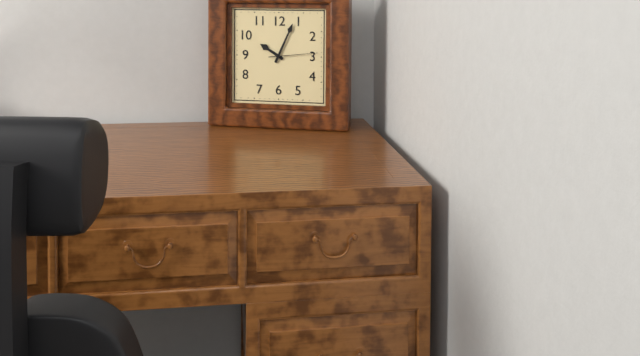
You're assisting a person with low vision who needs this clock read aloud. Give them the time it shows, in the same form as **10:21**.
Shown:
**10:04**
